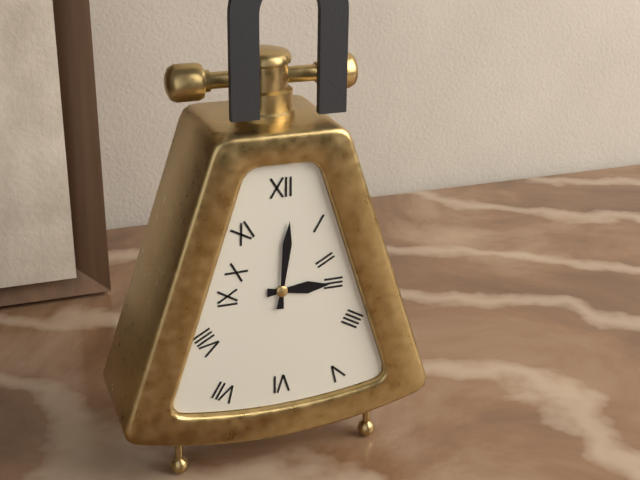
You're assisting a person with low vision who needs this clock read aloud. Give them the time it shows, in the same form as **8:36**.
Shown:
**3:01**
